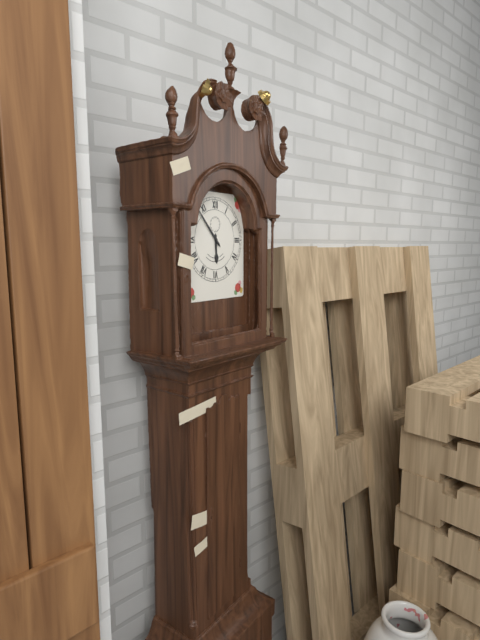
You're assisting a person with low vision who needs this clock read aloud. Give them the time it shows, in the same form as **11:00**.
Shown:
**5:53**
